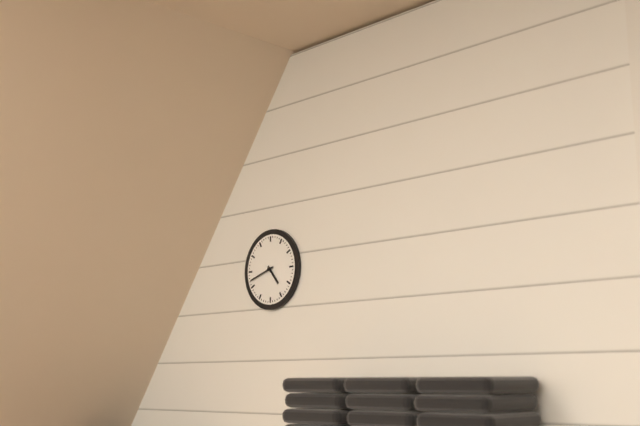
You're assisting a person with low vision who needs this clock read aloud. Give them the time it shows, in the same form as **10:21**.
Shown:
**4:42**
